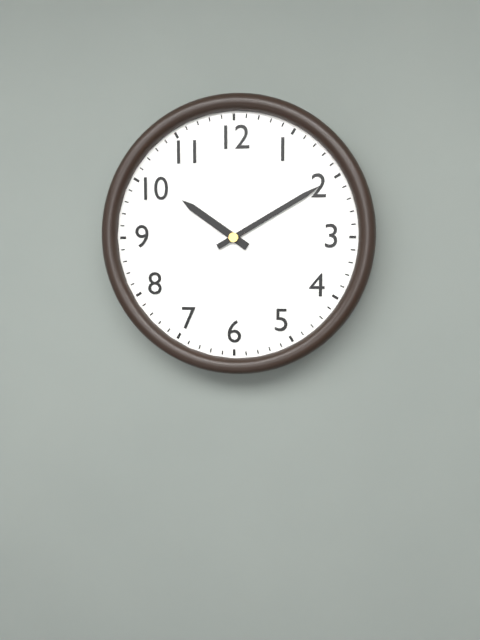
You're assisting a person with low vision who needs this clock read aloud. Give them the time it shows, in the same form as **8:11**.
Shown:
**10:10**
